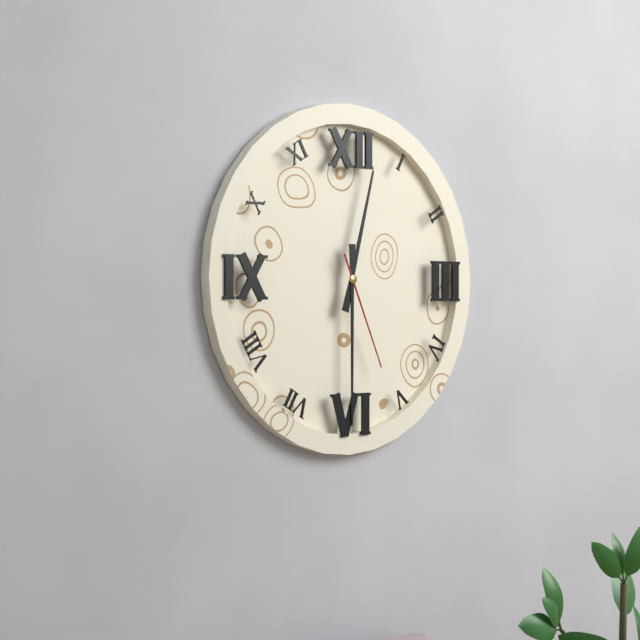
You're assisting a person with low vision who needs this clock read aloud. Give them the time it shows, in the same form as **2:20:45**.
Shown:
**12:30:26**
